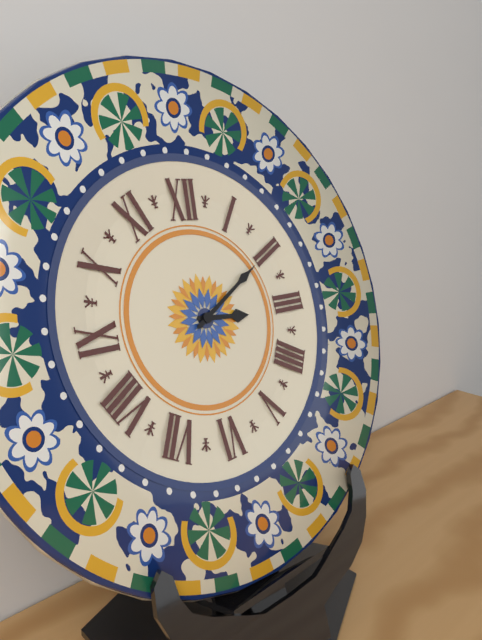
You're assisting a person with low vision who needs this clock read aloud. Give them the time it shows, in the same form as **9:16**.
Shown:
**3:10**
